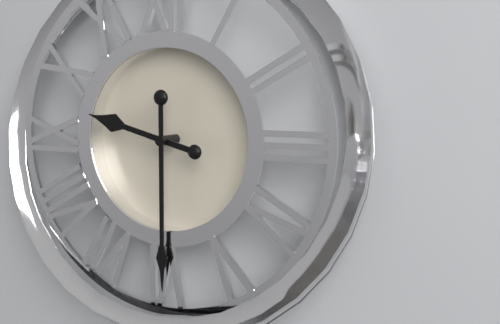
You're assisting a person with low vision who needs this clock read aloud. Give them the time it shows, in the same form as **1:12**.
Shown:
**9:30**
